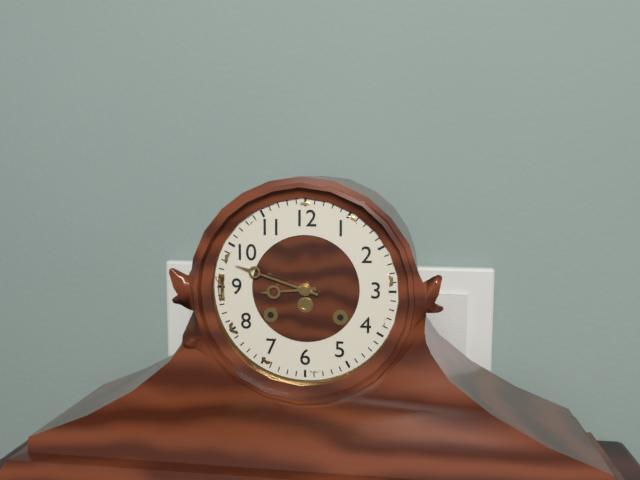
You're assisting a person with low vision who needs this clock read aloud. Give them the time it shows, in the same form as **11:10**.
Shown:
**8:48**
